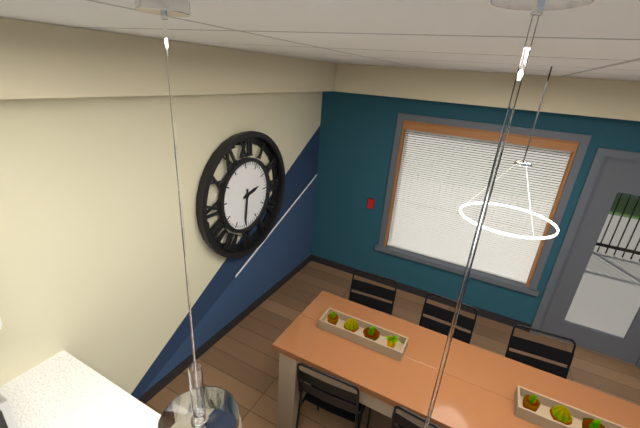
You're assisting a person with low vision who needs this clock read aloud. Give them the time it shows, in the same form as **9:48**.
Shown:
**2:31**
